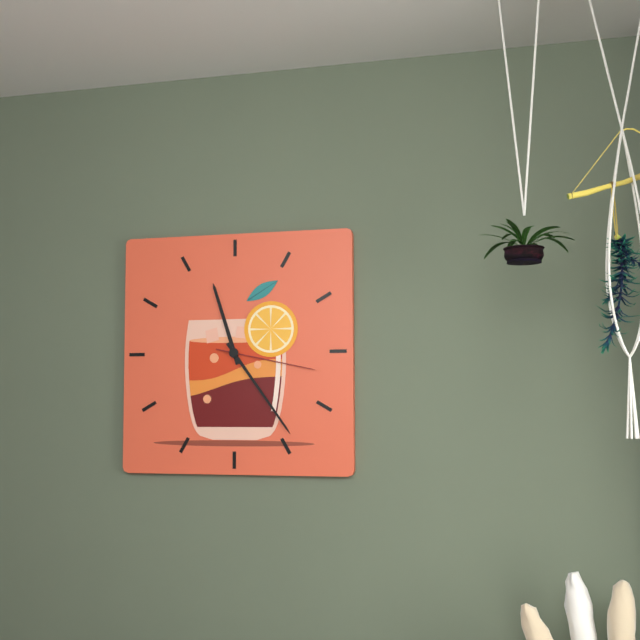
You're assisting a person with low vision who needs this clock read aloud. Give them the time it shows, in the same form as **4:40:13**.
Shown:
**11:24:17**
